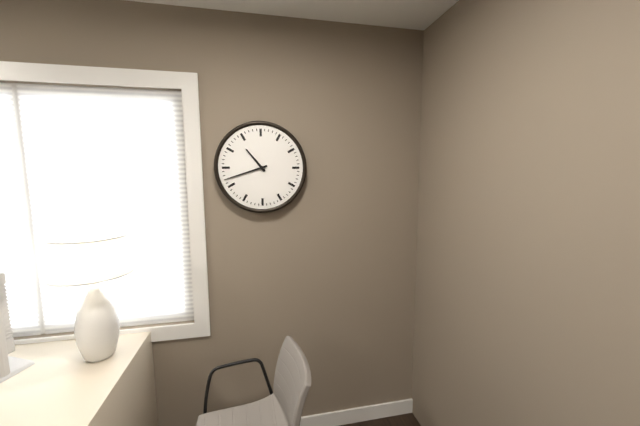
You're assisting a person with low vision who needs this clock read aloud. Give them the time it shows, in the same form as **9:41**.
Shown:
**10:42**
